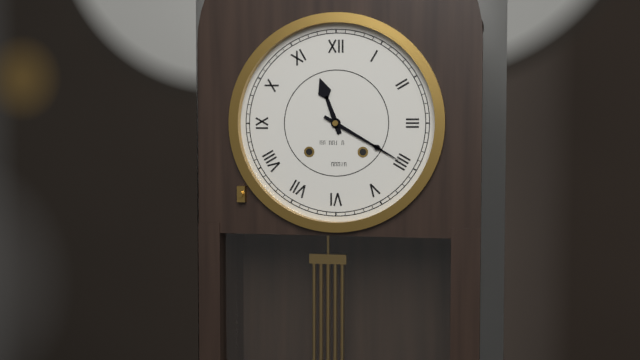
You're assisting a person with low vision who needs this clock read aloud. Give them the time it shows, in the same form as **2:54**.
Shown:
**11:20**
